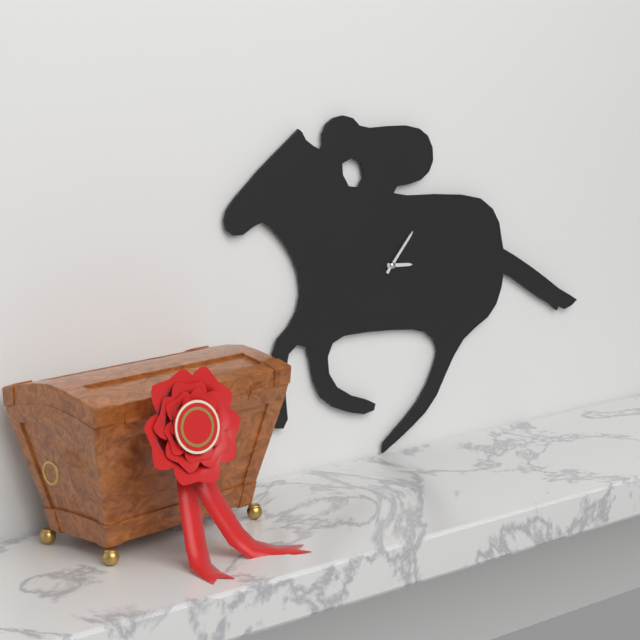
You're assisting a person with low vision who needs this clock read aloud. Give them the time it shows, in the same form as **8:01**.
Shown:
**3:07**
